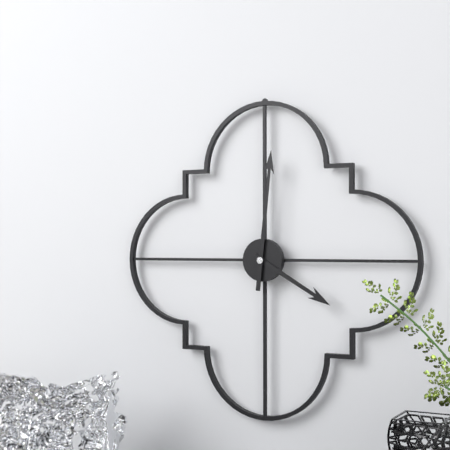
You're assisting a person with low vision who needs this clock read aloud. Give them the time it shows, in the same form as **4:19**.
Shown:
**4:01**
